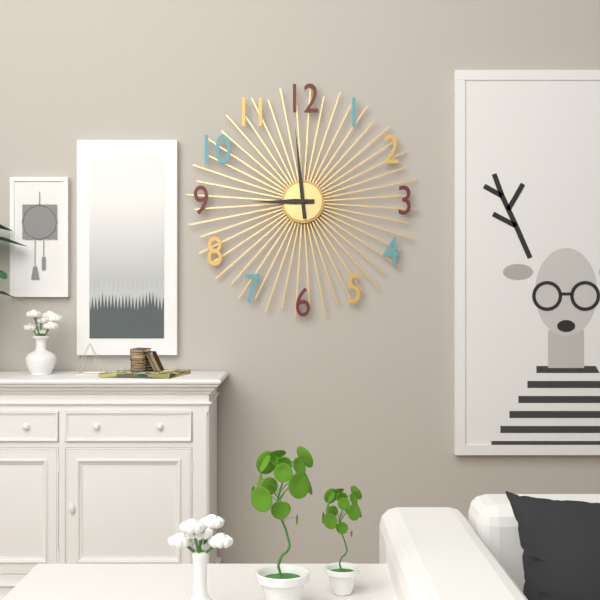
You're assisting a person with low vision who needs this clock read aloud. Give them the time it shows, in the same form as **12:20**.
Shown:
**8:59**
